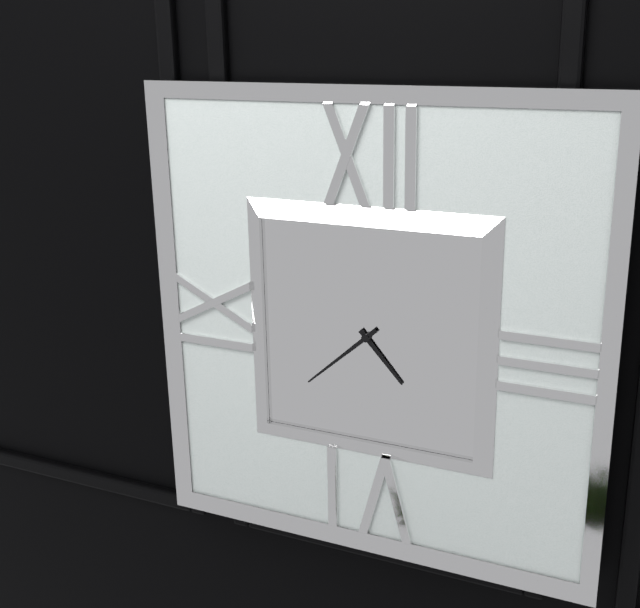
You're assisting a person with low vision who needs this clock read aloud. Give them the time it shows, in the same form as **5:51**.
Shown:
**4:38**
